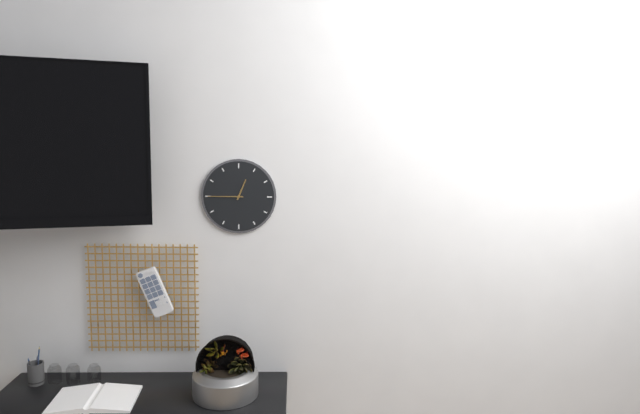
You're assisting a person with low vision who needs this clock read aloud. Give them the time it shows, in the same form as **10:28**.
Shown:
**12:45**
